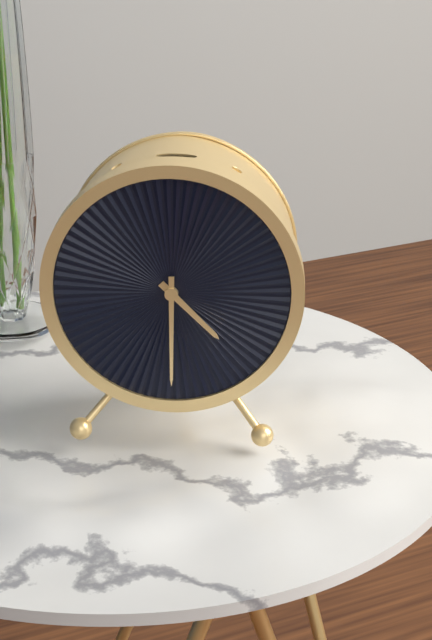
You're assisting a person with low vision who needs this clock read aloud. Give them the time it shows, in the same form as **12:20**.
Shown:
**4:30**
